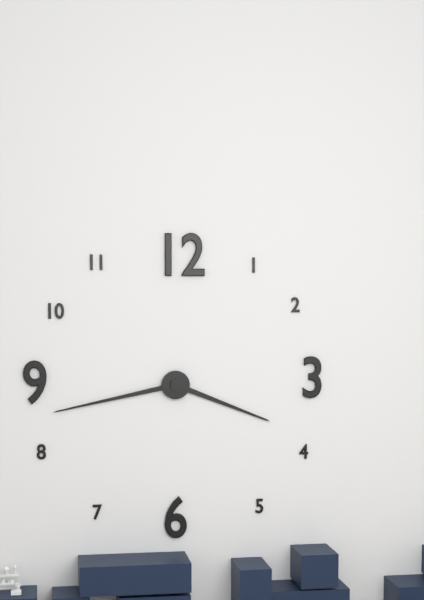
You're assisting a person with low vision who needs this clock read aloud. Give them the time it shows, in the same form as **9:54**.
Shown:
**3:43**
